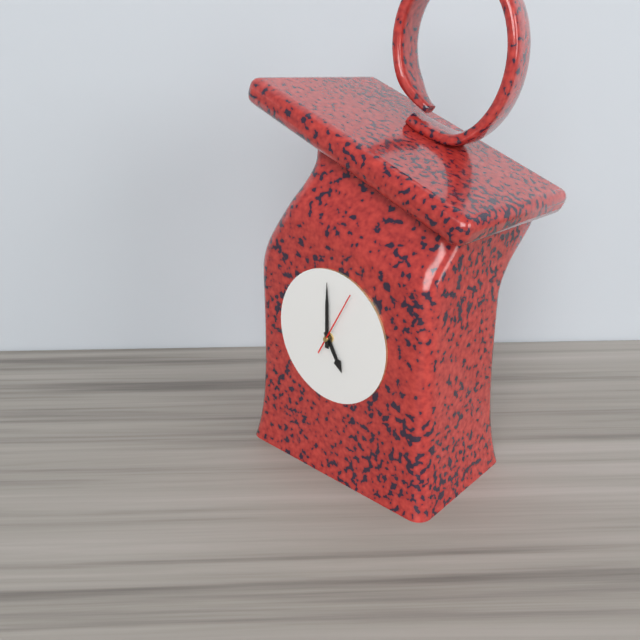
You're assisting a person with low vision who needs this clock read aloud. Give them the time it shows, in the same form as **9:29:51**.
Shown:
**5:00:05**
